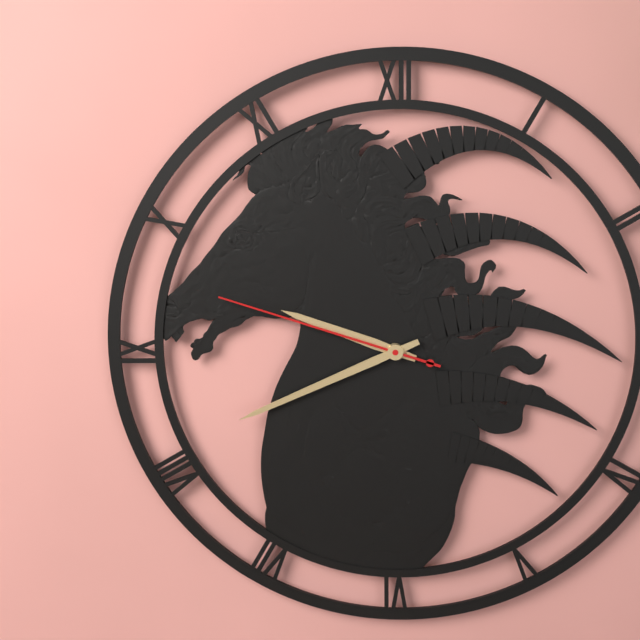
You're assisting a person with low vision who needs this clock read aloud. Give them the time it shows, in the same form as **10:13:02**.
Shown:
**9:41:48**
